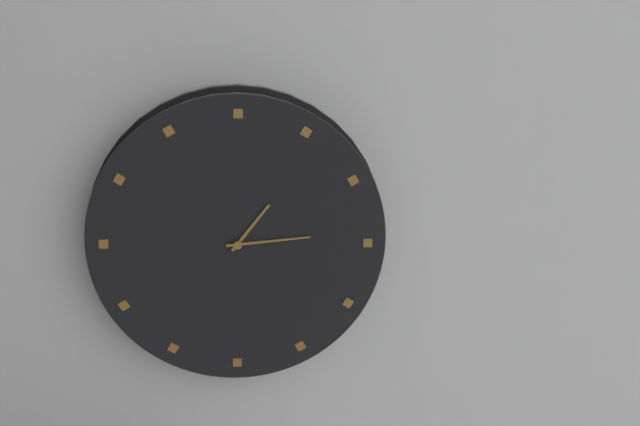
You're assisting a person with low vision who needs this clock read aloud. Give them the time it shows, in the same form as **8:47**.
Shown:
**1:14**
